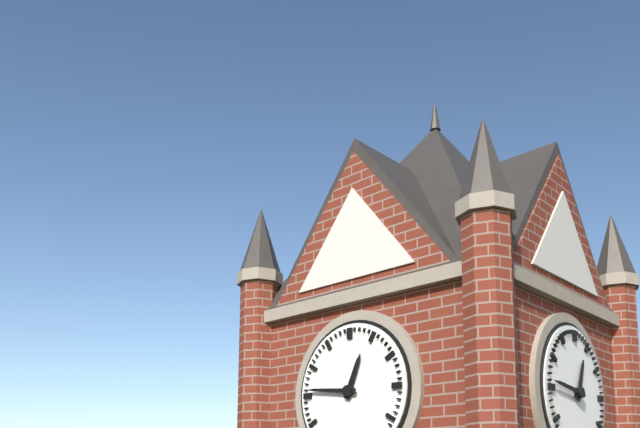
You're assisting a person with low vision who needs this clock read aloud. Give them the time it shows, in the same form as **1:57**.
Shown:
**12:46**
